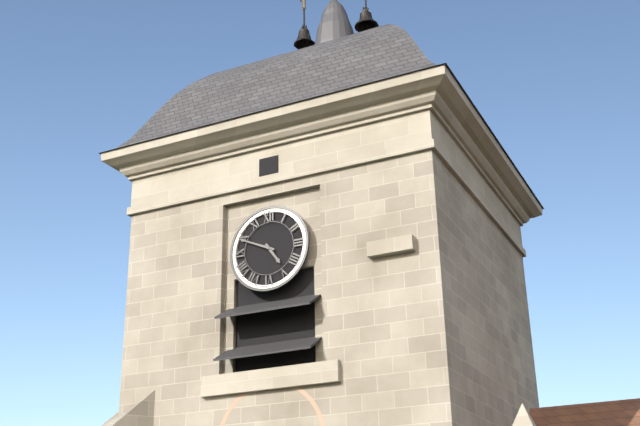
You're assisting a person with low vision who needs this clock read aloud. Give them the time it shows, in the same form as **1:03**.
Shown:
**4:49**
